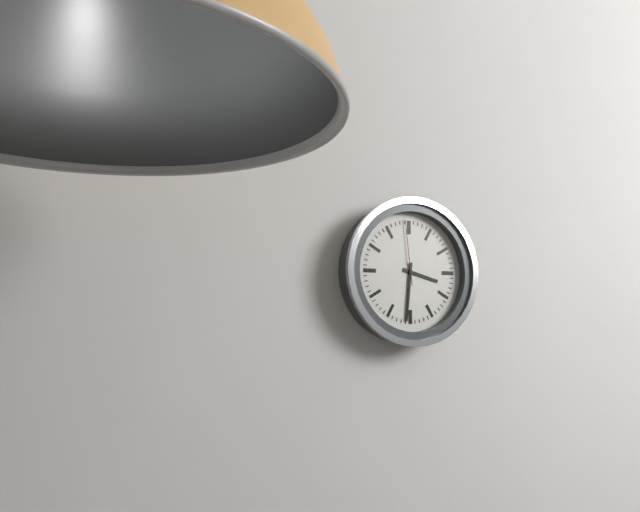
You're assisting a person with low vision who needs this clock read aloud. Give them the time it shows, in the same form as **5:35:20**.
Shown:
**3:31:59**
